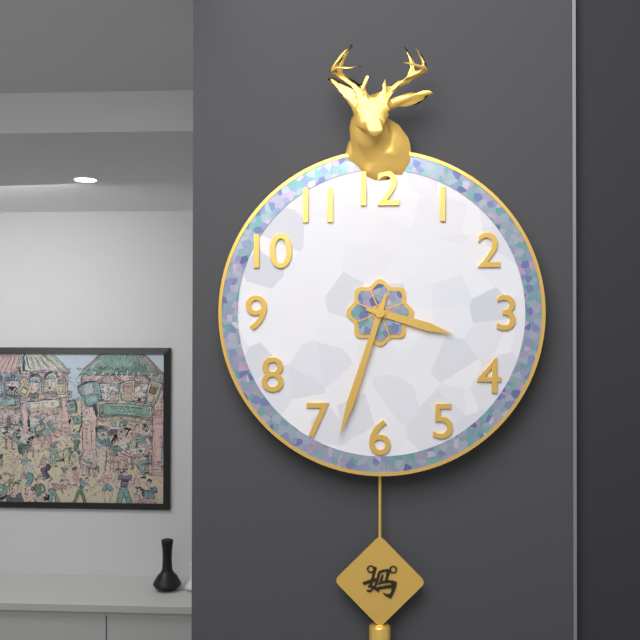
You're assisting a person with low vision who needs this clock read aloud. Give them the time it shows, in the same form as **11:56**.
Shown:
**3:33**
